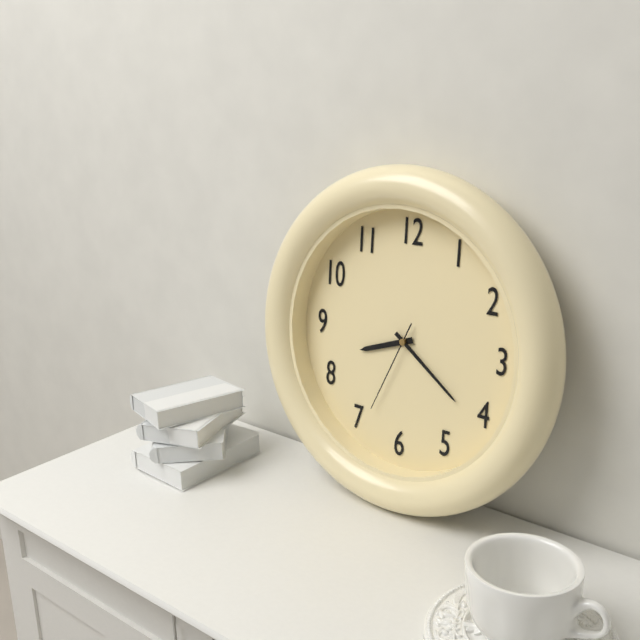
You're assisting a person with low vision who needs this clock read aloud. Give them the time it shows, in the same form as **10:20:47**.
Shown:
**8:21:34**
